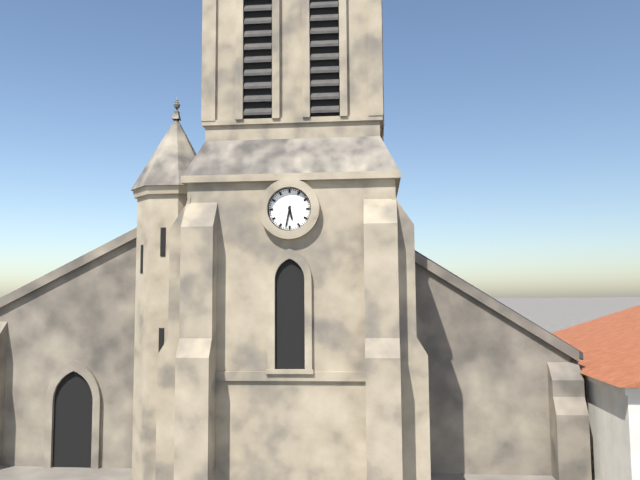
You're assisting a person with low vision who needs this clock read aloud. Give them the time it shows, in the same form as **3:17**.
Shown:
**5:32**
